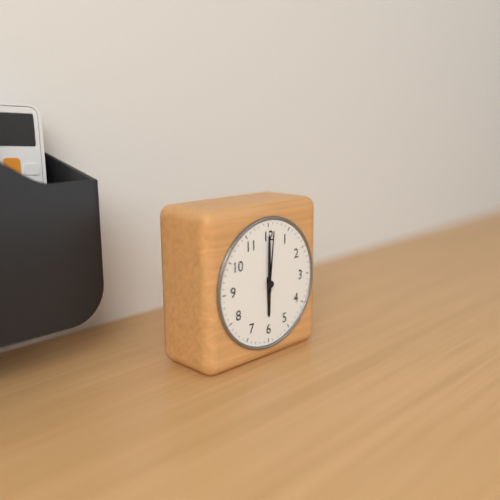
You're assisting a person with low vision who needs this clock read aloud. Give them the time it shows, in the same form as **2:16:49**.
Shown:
**6:00:01**
